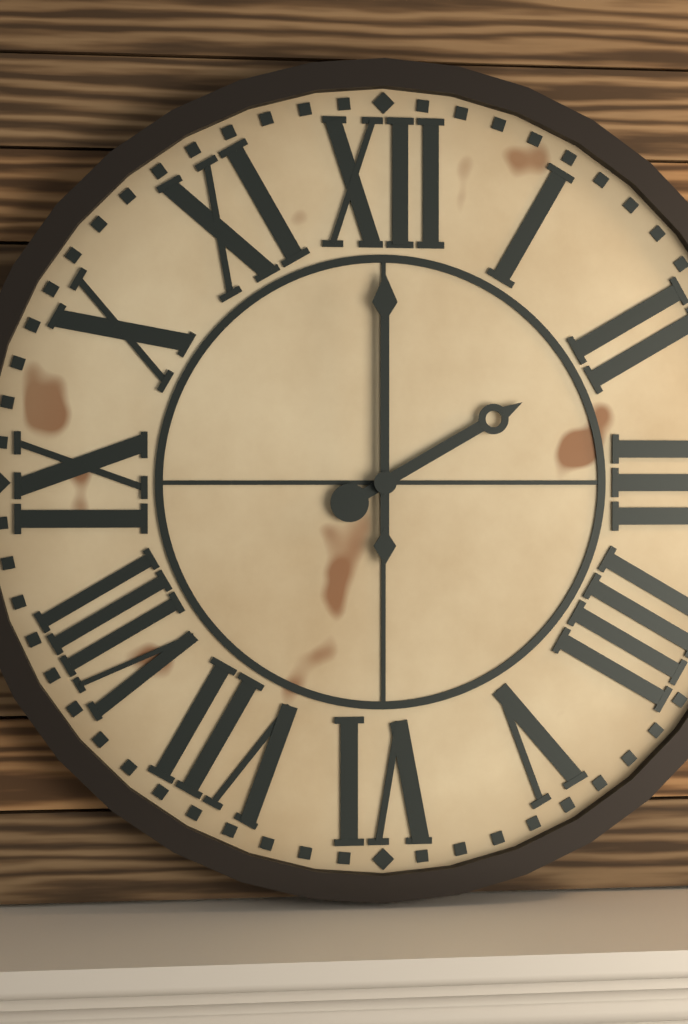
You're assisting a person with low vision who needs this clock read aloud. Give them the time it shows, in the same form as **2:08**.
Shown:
**2:00**
